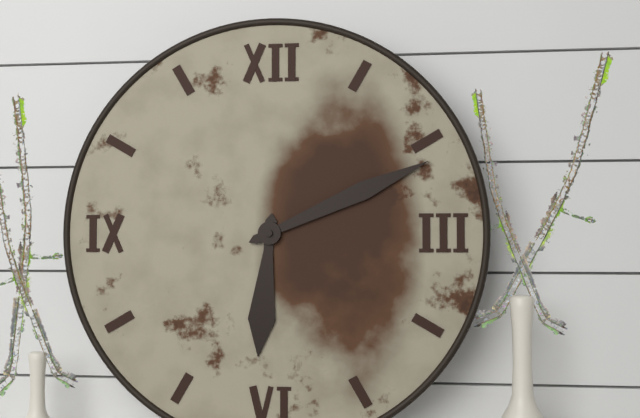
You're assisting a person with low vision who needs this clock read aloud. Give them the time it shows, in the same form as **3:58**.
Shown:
**6:11**
